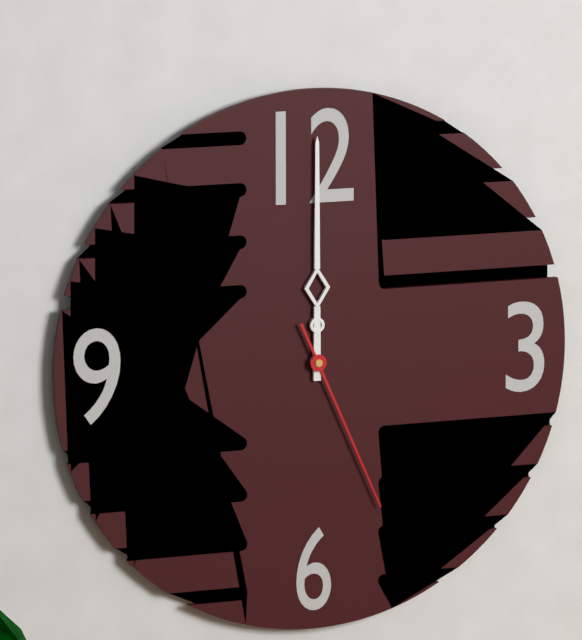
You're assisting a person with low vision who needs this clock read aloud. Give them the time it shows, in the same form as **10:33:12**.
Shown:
**12:00:26**
